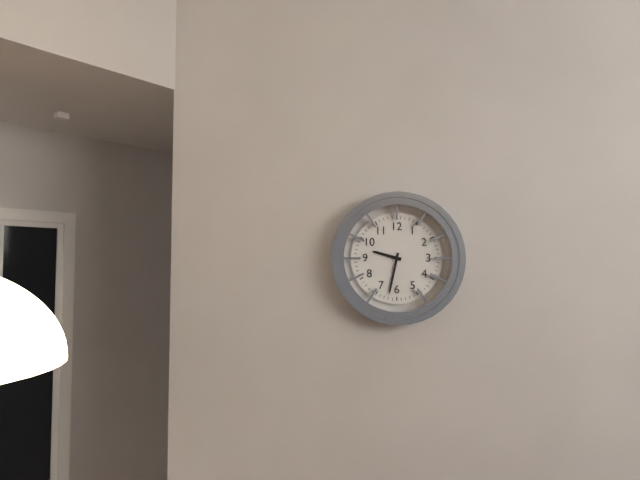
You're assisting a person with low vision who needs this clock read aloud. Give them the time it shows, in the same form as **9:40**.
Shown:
**9:32**
